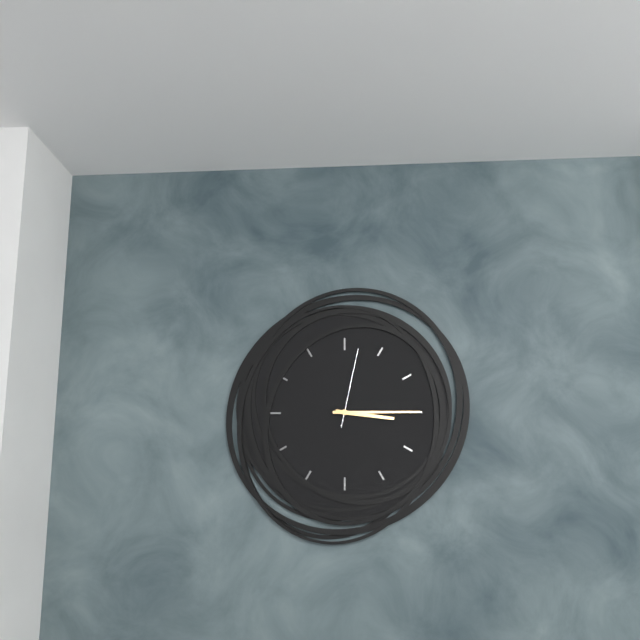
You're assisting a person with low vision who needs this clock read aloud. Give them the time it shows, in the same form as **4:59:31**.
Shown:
**3:15:02**
